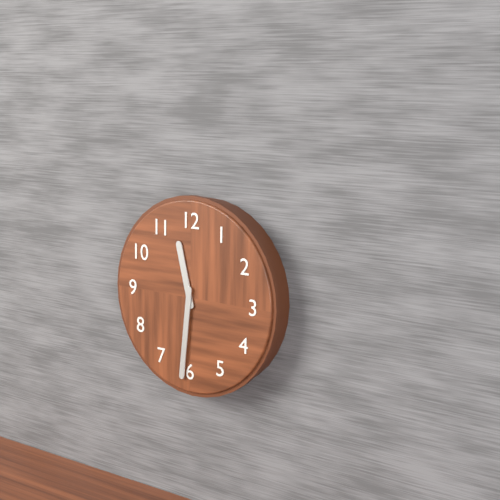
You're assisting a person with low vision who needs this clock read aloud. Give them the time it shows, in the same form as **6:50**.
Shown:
**11:31**
